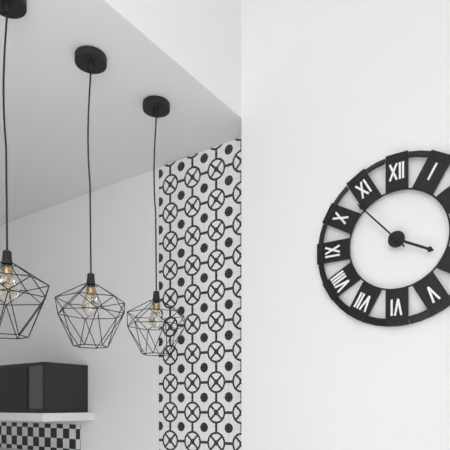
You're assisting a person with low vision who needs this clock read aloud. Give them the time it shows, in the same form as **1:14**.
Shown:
**3:53**
